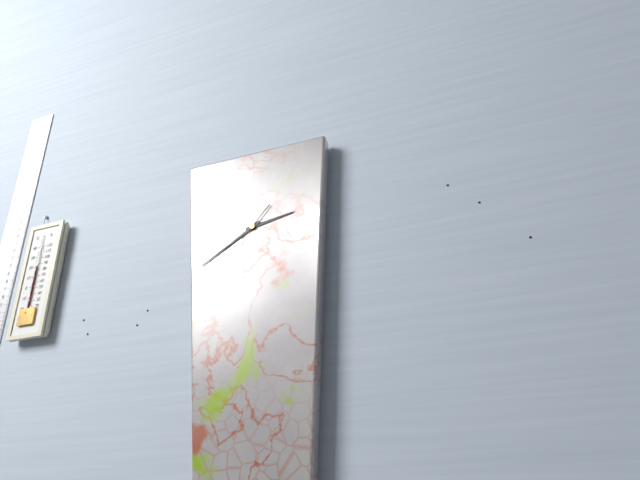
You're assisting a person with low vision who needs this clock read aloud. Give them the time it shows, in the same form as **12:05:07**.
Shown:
**2:40:37**
